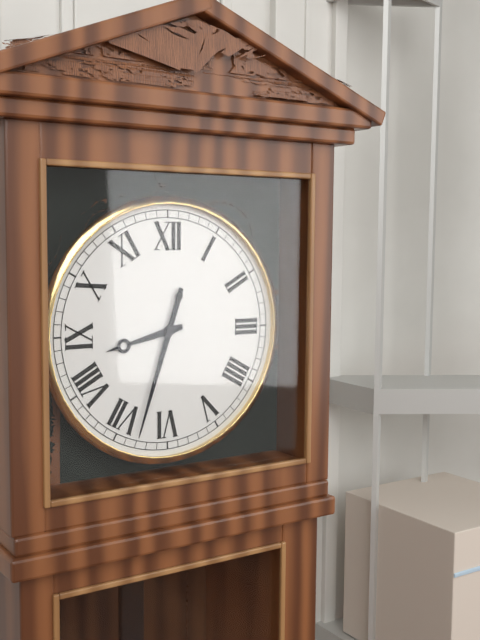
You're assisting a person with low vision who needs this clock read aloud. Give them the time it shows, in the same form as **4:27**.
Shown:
**8:33**
